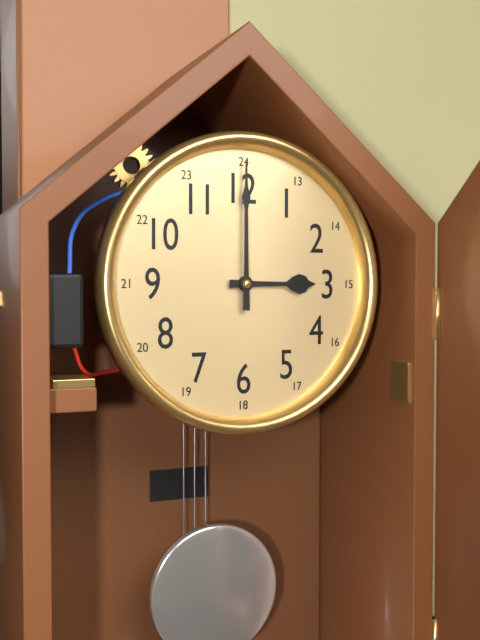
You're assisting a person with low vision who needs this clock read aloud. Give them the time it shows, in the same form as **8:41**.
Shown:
**3:00**
